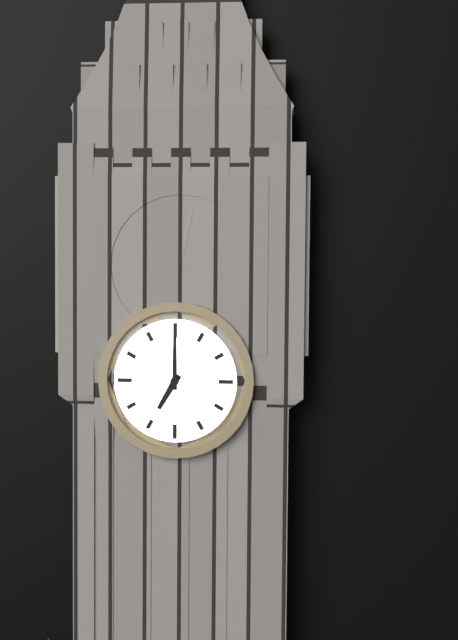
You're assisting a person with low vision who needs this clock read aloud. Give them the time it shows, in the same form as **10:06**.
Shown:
**7:00**
